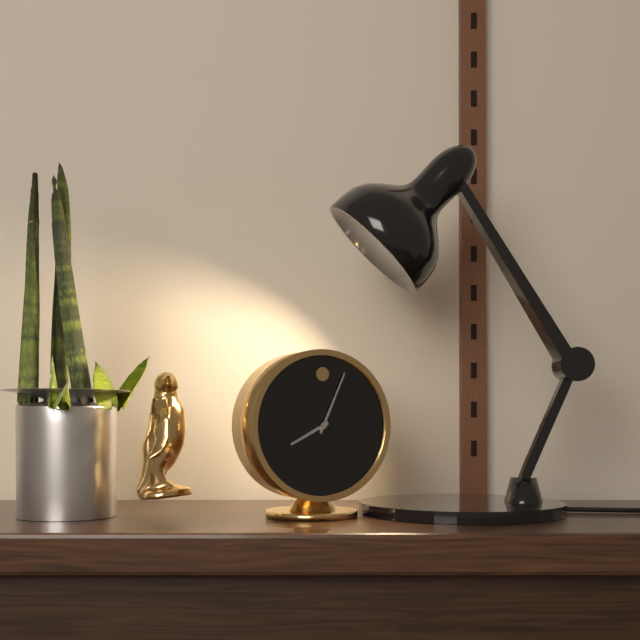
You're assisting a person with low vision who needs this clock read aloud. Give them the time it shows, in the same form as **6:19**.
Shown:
**8:04**
